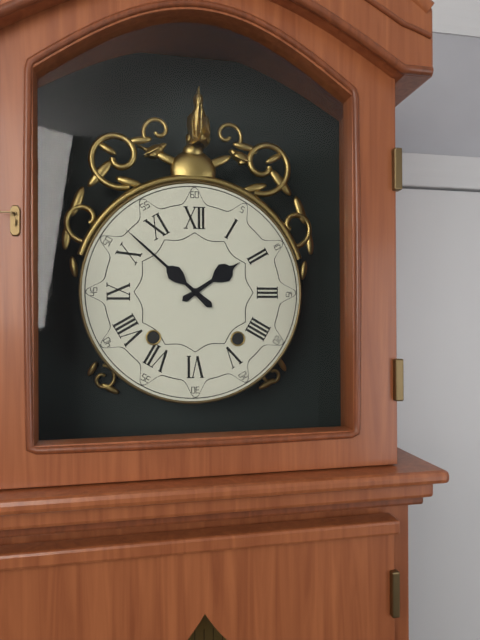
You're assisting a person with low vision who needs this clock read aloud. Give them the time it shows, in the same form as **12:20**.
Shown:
**1:52**
